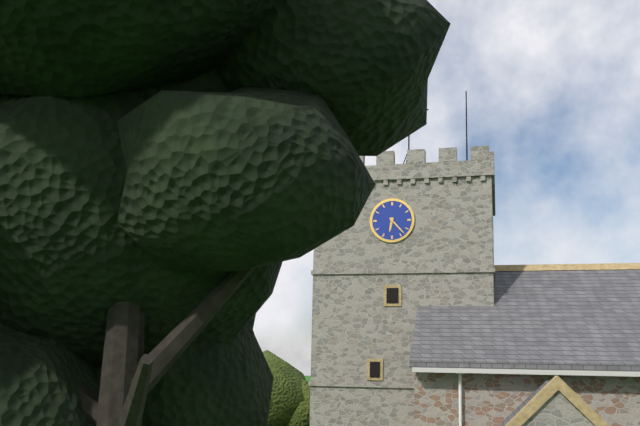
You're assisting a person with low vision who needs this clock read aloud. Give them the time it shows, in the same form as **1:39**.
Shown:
**6:23**
